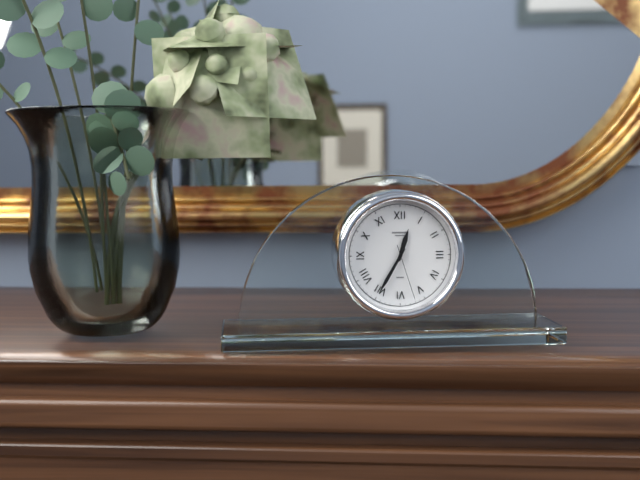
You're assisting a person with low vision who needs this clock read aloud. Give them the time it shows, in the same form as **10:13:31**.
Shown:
**12:35:27**
